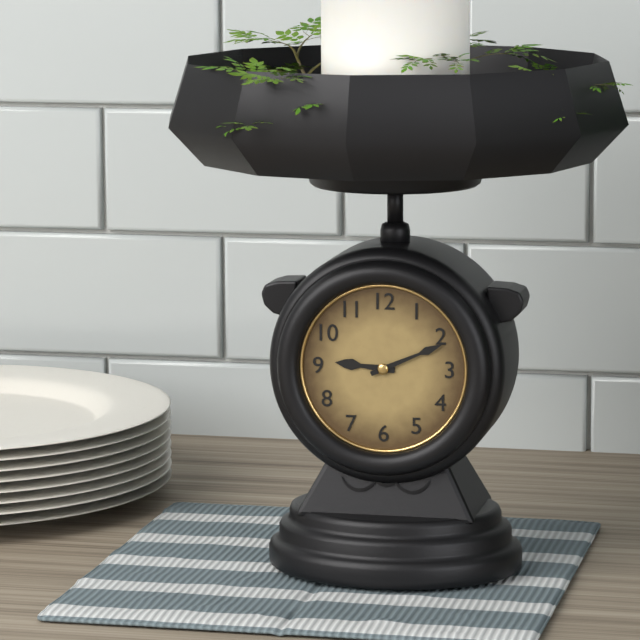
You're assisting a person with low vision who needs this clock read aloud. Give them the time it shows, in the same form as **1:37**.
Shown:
**9:11**
